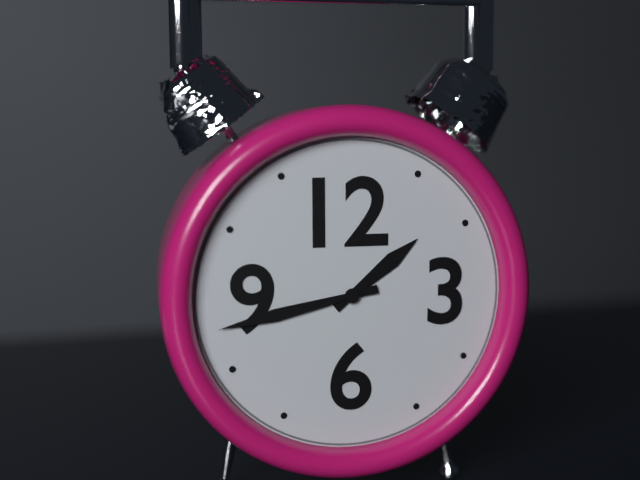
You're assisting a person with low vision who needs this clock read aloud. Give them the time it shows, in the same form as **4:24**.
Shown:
**1:43**
